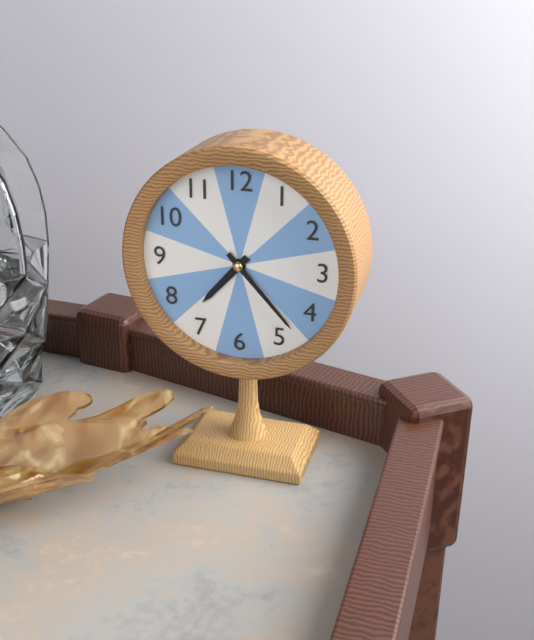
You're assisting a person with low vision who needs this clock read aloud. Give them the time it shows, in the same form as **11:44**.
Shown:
**7:23**
